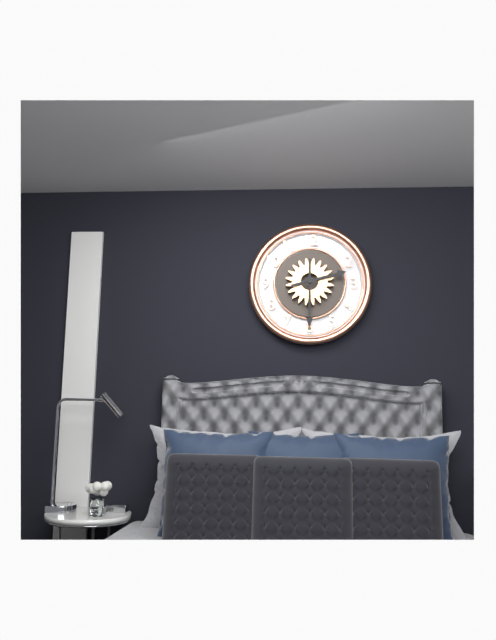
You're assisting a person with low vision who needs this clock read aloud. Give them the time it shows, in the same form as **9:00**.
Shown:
**2:30**
